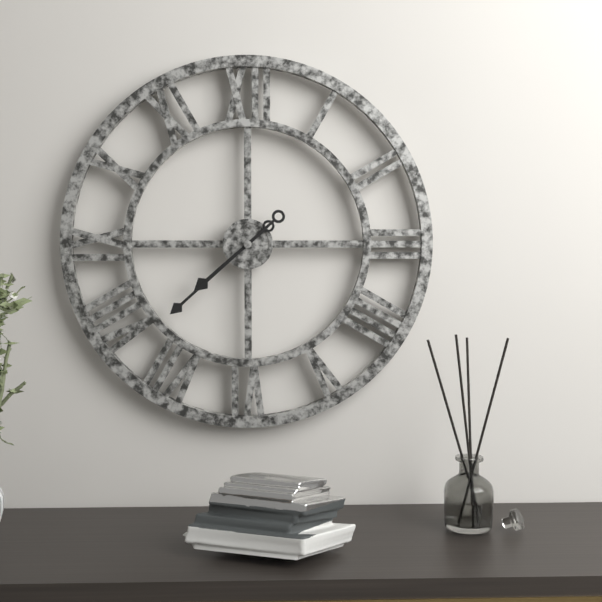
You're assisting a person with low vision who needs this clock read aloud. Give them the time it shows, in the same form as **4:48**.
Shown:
**7:38**
